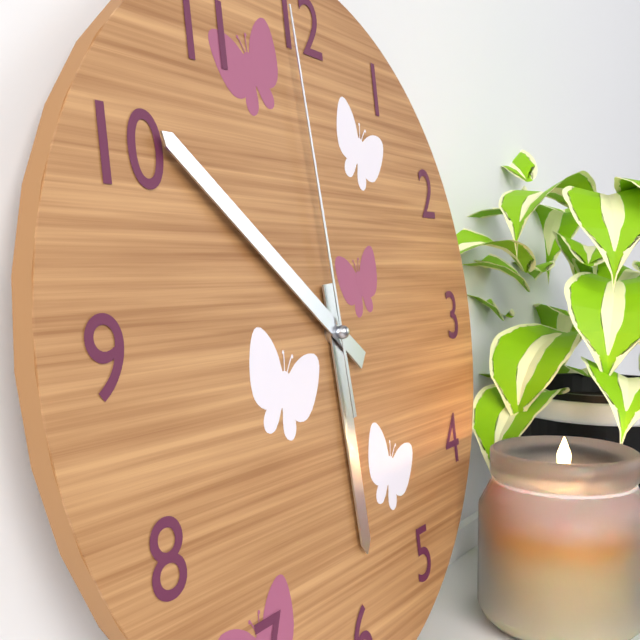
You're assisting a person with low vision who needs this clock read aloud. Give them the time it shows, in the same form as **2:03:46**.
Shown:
**5:51:59**
